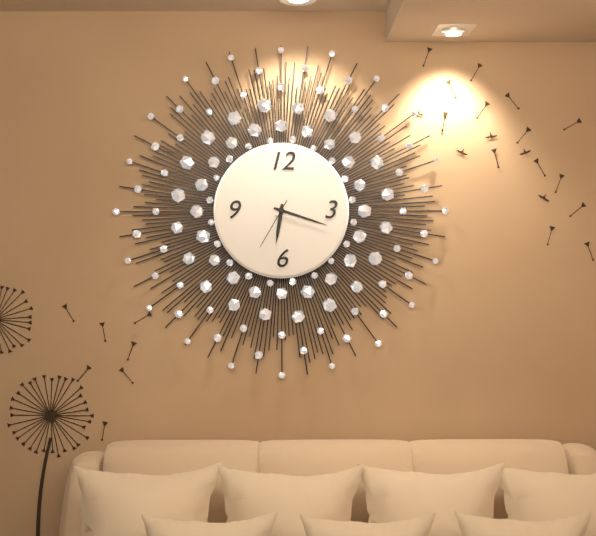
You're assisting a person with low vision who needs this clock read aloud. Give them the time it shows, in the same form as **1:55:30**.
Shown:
**6:18:35**
